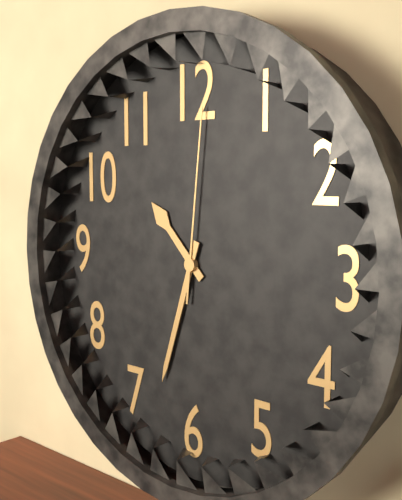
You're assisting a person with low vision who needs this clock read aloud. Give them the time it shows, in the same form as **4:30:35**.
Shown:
**10:33:01**
